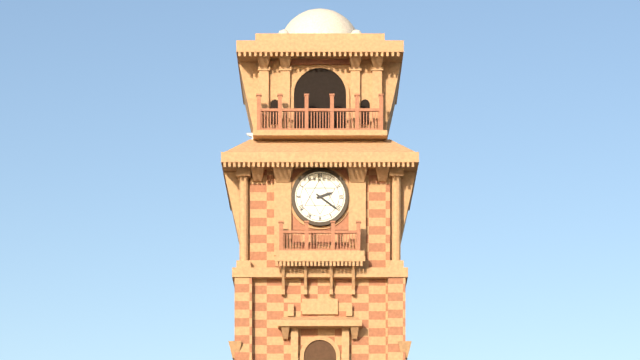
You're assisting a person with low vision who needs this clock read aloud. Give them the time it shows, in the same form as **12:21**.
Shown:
**2:21**
